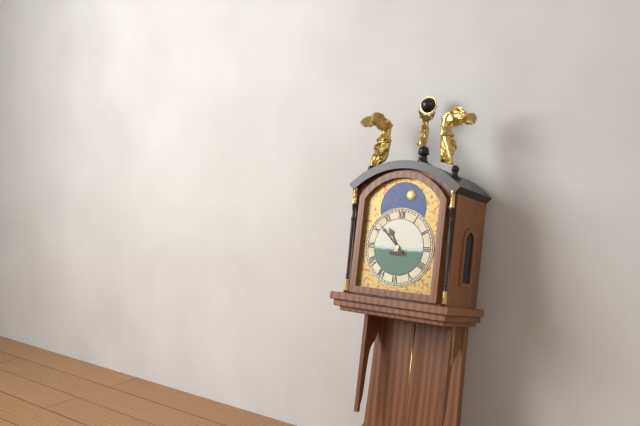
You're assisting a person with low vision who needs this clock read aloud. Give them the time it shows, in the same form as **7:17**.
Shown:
**10:52**
